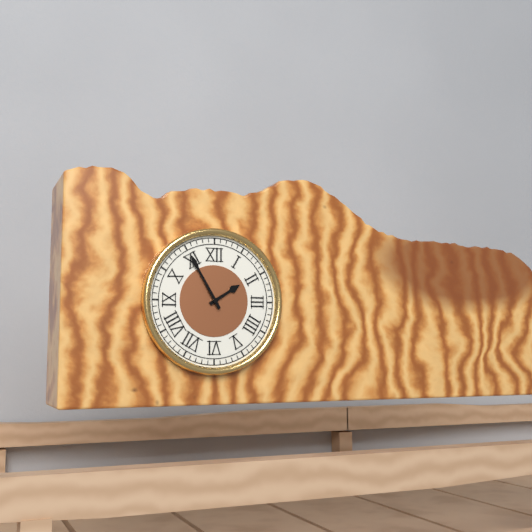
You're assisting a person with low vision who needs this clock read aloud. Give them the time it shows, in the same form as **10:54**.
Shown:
**1:55**
